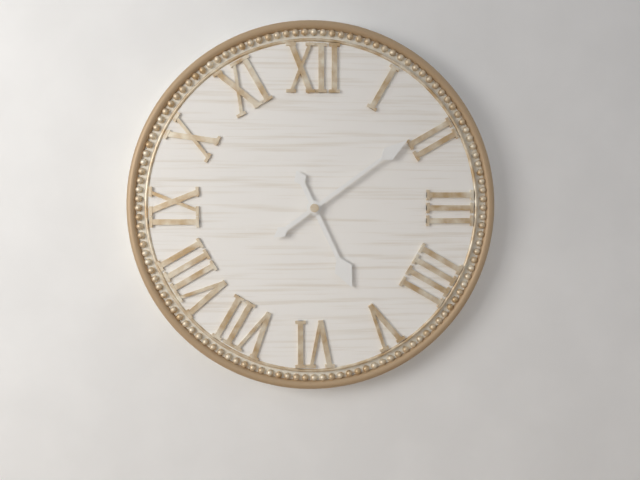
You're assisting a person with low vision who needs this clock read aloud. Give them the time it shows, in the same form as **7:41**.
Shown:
**5:09**
